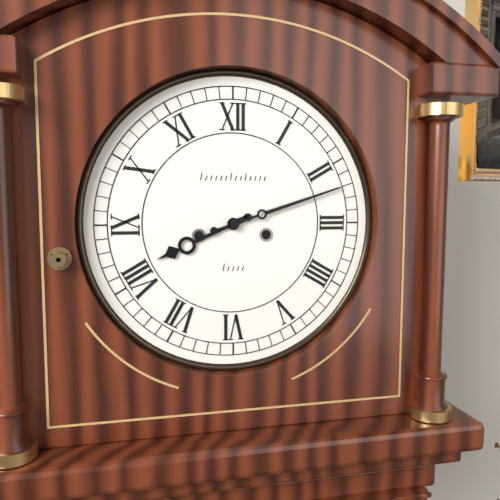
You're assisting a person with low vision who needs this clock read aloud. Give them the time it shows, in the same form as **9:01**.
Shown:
**8:12**
